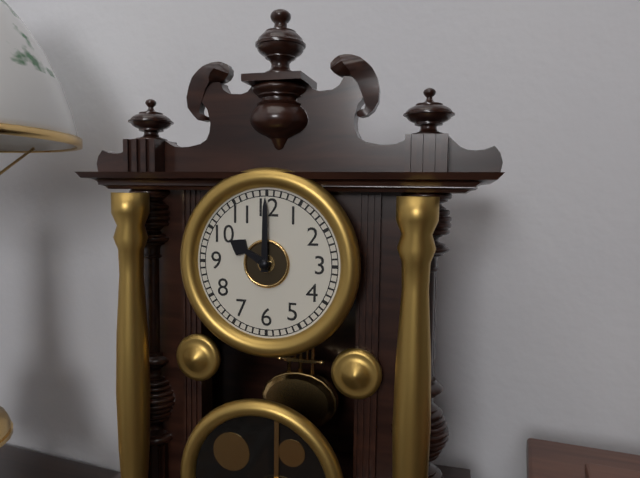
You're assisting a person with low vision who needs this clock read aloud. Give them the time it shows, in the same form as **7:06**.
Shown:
**10:00**
